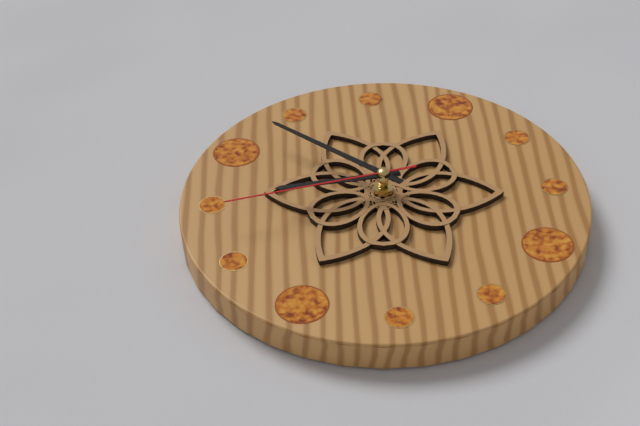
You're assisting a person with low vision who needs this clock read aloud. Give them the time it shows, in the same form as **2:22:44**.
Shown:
**7:47:38**
